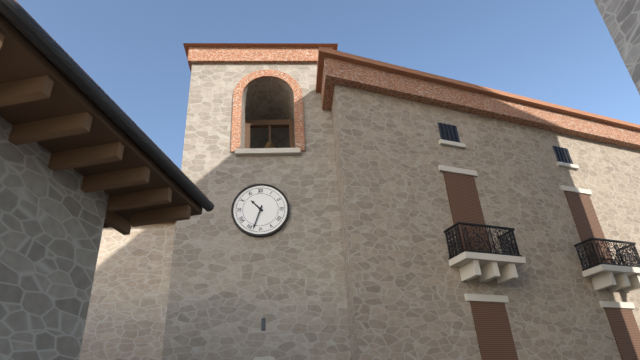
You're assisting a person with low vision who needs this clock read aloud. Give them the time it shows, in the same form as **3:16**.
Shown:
**10:33**
